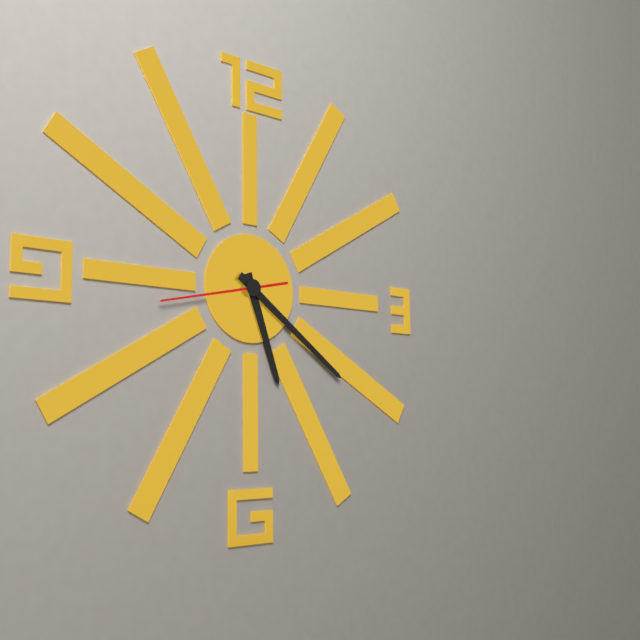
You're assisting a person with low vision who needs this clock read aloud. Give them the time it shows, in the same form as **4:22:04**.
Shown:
**5:21:43**
